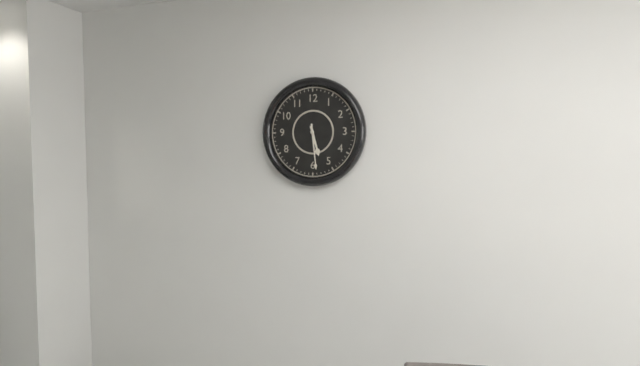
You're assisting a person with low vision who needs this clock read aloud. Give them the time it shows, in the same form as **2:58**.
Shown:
**5:29**
